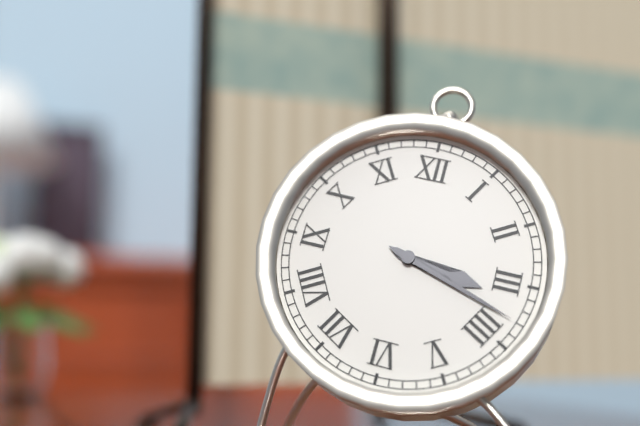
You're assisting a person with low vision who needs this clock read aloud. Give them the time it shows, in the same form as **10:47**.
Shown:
**3:18**
